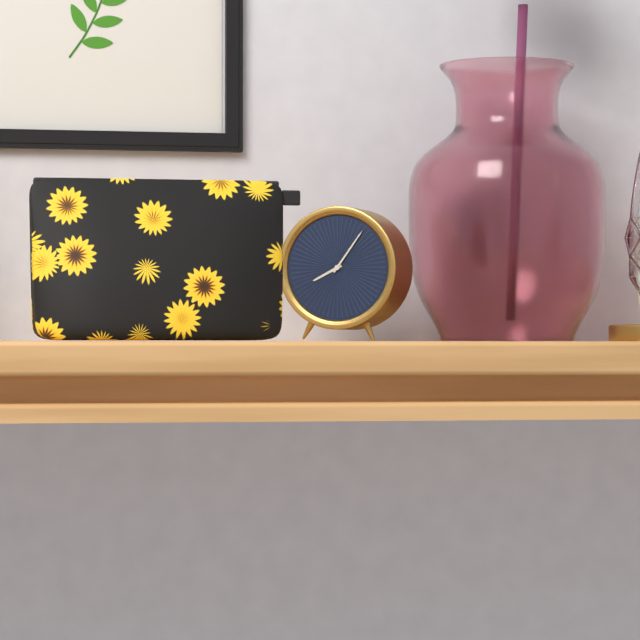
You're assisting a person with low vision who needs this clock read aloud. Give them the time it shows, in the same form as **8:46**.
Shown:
**8:06**
